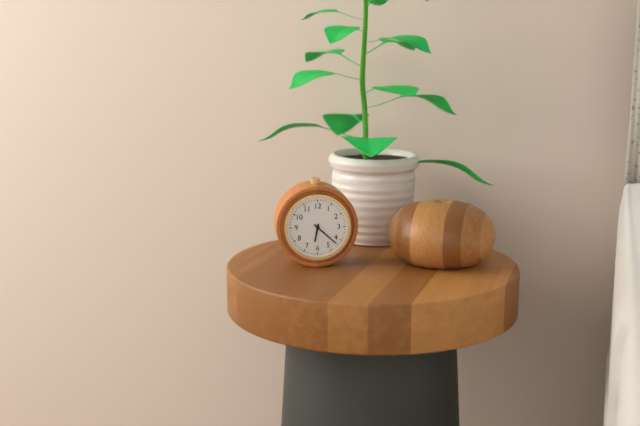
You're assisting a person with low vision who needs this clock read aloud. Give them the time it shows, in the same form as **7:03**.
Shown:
**6:22**
